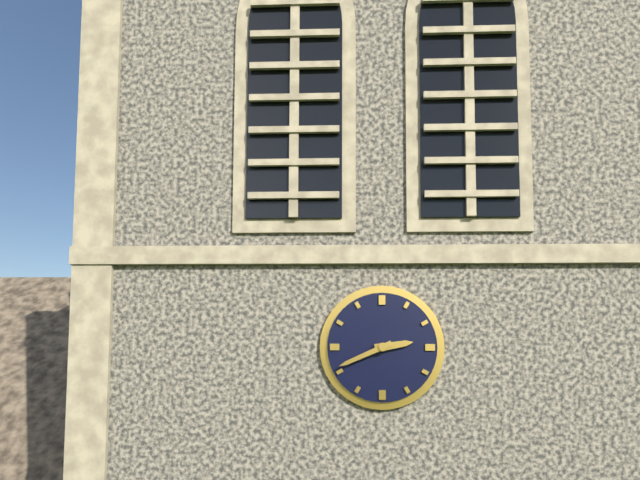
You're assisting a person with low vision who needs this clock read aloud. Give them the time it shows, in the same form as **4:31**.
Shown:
**2:41**
